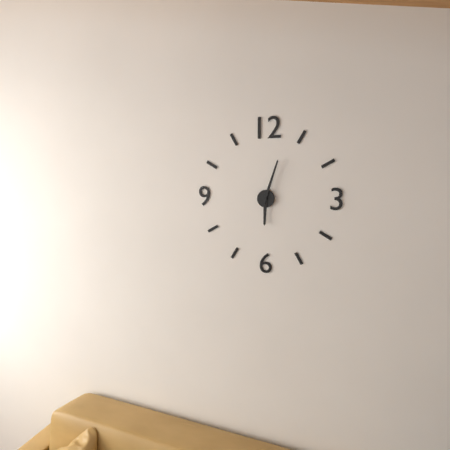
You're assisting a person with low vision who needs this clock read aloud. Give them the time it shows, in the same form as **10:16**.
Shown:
**6:03**
